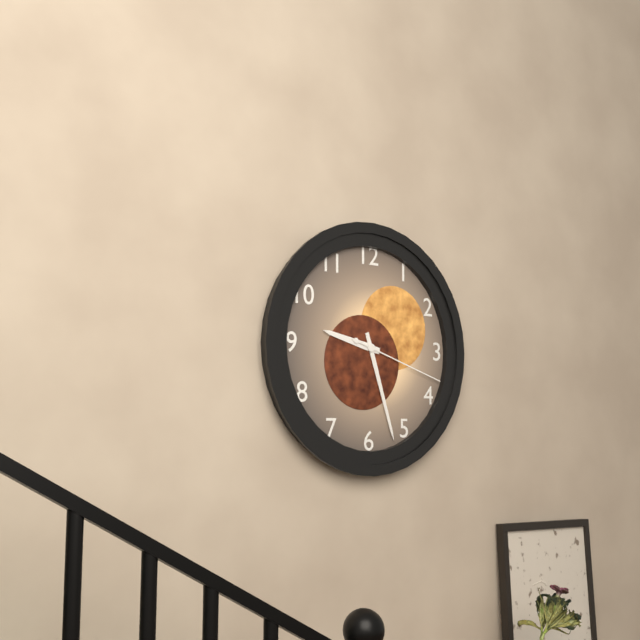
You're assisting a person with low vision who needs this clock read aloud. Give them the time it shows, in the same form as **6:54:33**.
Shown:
**9:27:18**
